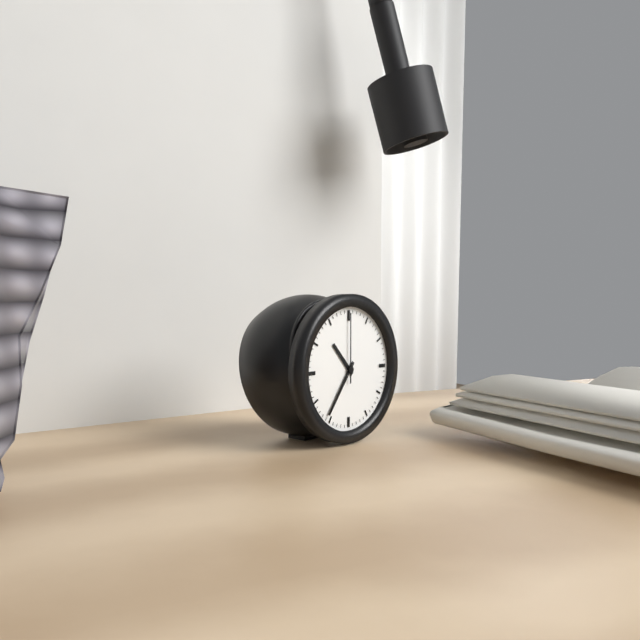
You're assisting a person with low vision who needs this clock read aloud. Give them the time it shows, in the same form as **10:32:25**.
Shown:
**10:36:00**
